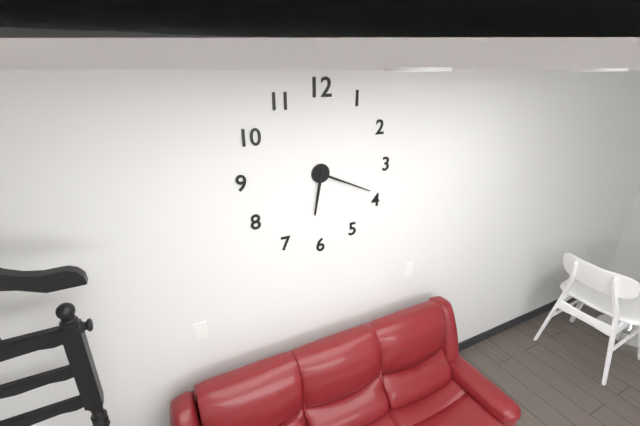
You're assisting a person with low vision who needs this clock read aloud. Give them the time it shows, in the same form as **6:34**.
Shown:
**6:19**
